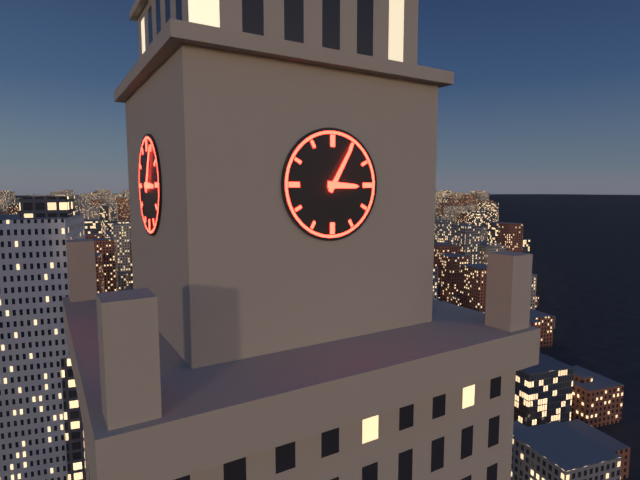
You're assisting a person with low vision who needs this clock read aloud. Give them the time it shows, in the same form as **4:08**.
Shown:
**3:05**
